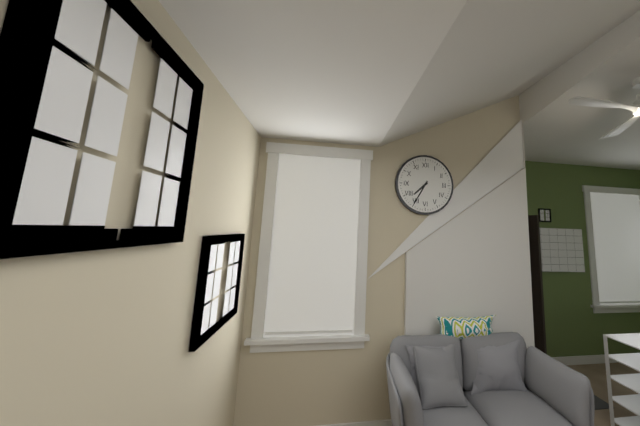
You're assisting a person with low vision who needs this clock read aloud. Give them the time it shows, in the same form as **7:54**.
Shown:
**7:35**
